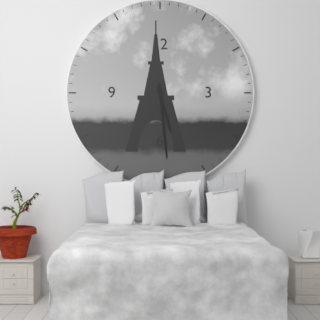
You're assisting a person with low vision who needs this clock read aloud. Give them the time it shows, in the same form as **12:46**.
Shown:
**5:29**
